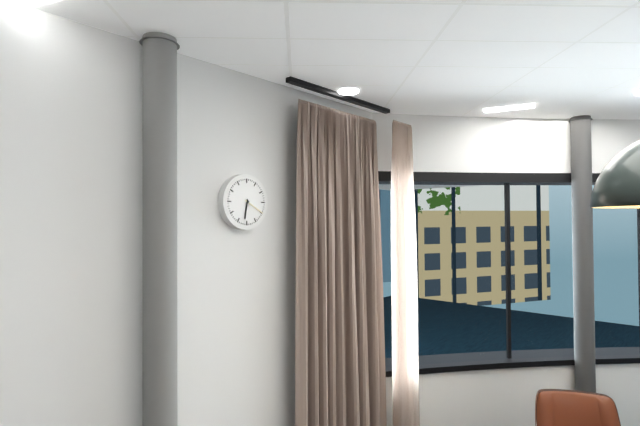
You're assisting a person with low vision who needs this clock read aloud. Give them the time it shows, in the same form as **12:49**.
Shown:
**6:20**
